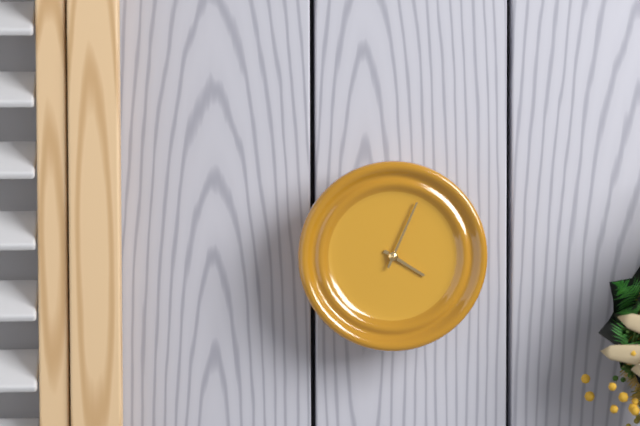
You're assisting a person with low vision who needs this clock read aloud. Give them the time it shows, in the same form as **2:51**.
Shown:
**4:04**
